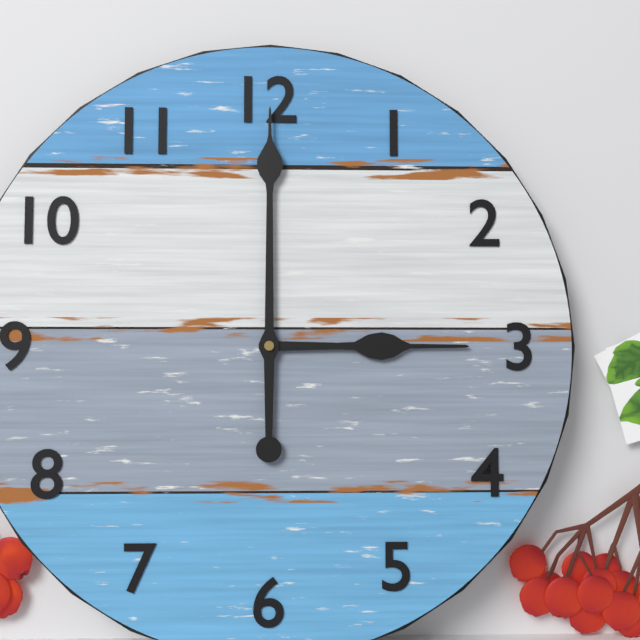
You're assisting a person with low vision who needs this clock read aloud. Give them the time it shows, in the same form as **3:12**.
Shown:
**3:00**
